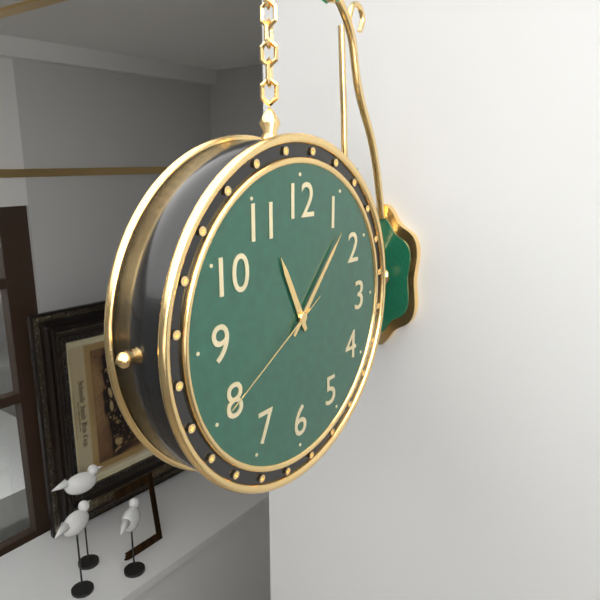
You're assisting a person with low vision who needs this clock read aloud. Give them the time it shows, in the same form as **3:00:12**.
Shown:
**11:07:40**
